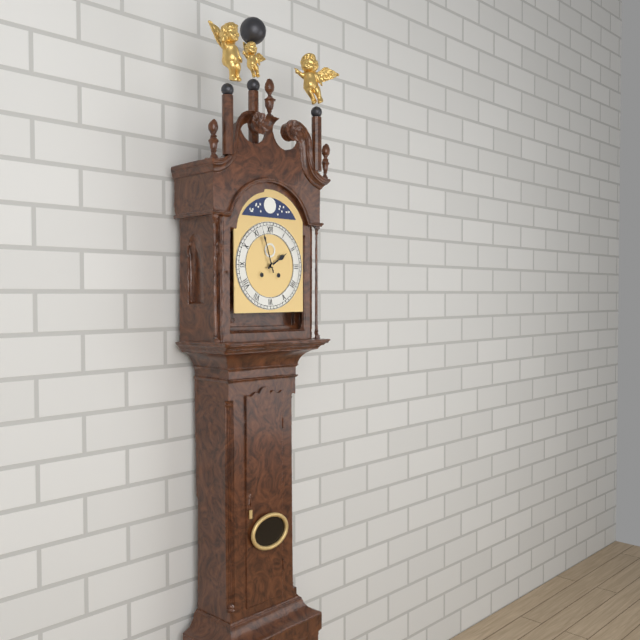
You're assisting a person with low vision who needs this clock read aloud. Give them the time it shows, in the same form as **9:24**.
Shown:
**1:57**
